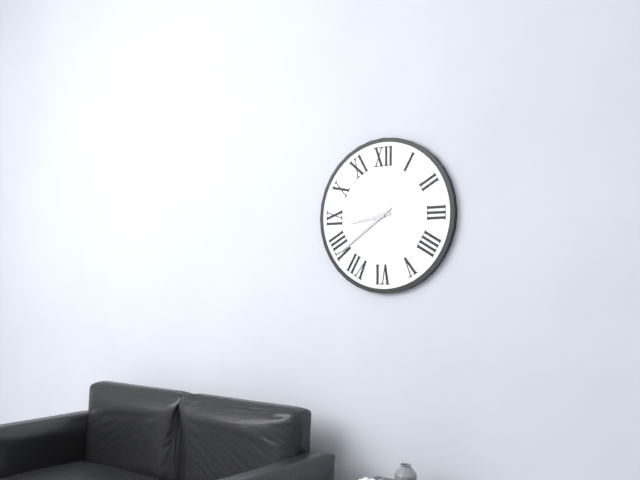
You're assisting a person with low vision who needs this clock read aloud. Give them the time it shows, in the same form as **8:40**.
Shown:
**8:39**
